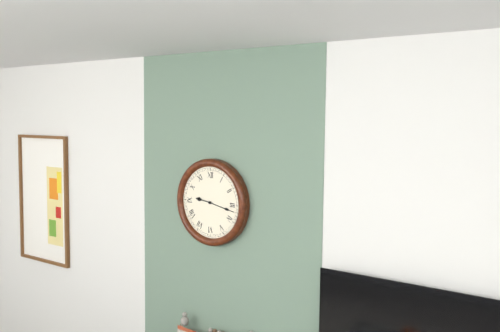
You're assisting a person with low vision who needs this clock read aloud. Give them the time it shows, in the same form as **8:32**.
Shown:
**9:17**
